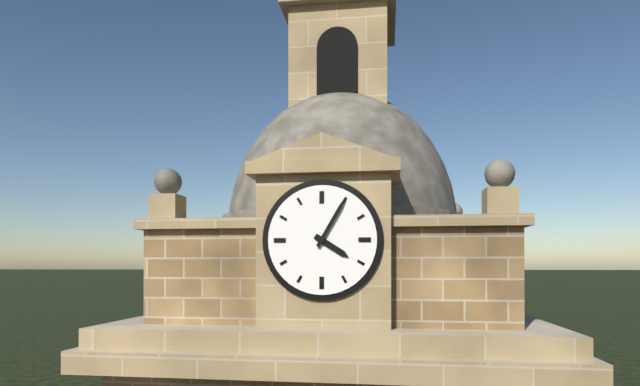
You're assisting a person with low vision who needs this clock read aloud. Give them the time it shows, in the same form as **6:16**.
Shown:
**4:05**
